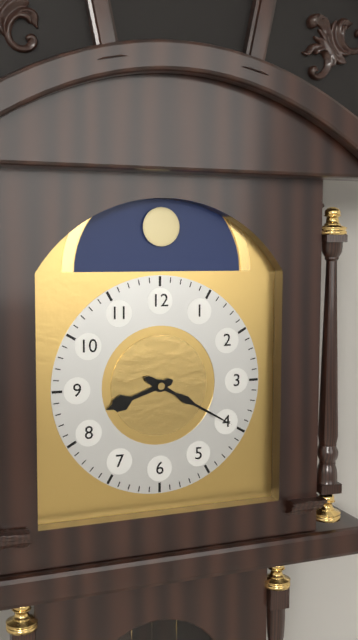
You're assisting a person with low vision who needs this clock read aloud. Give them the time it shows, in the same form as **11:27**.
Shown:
**8:20**
